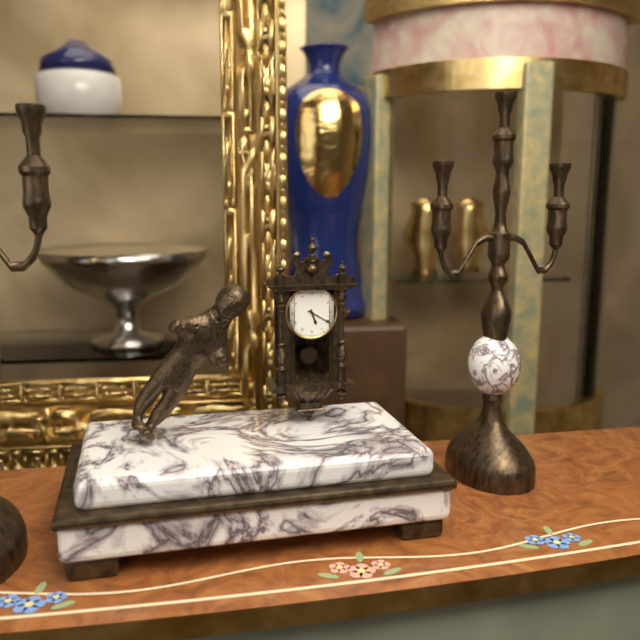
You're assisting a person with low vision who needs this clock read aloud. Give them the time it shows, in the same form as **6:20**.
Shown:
**5:20**
